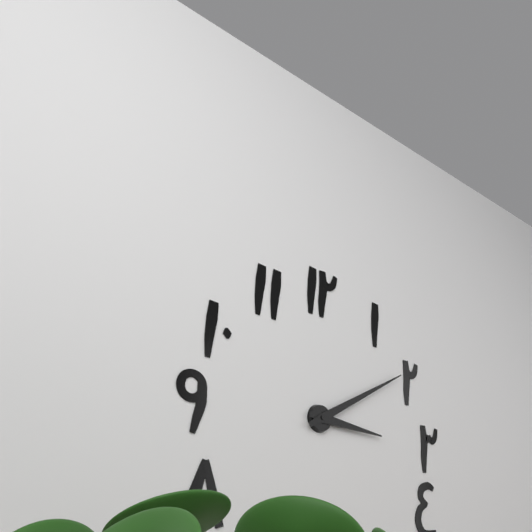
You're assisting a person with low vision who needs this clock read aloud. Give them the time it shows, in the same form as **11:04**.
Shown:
**3:10**
